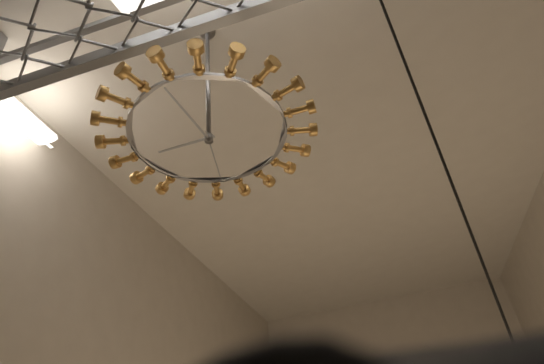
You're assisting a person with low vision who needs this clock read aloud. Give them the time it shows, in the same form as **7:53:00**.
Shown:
**8:59:32**
